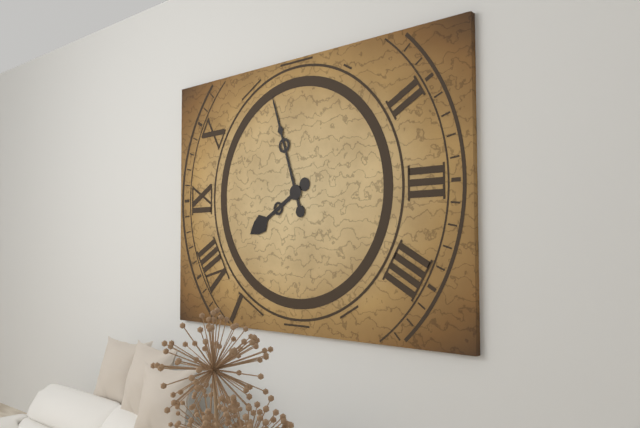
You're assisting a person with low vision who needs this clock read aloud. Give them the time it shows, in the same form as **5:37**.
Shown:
**7:57**
